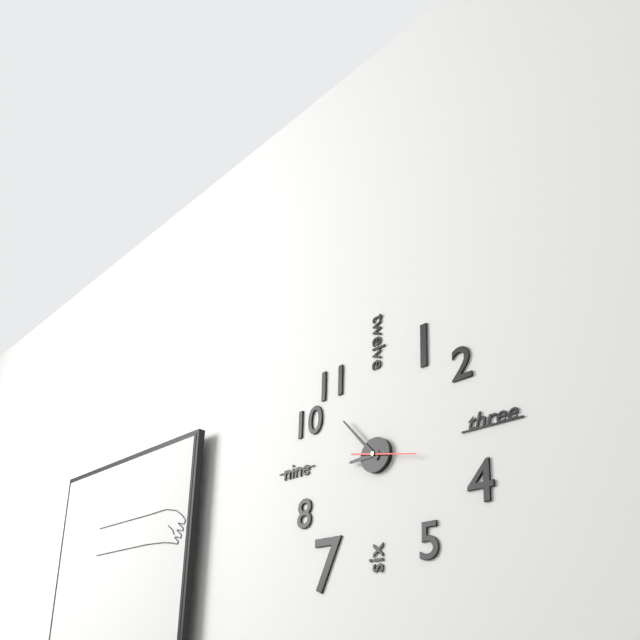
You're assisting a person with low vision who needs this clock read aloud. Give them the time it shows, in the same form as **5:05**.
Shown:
**8:53**
